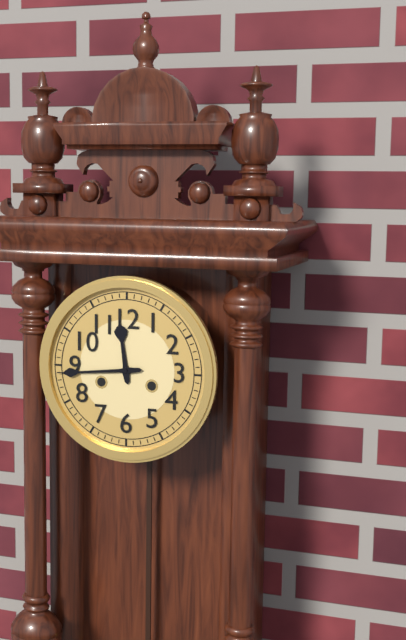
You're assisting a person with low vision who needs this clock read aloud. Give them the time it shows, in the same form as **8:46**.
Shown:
**11:44**
